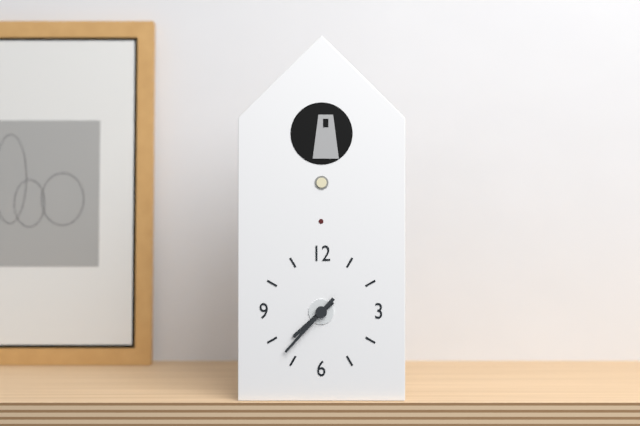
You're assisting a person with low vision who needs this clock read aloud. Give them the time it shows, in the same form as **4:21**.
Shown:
**7:37**
